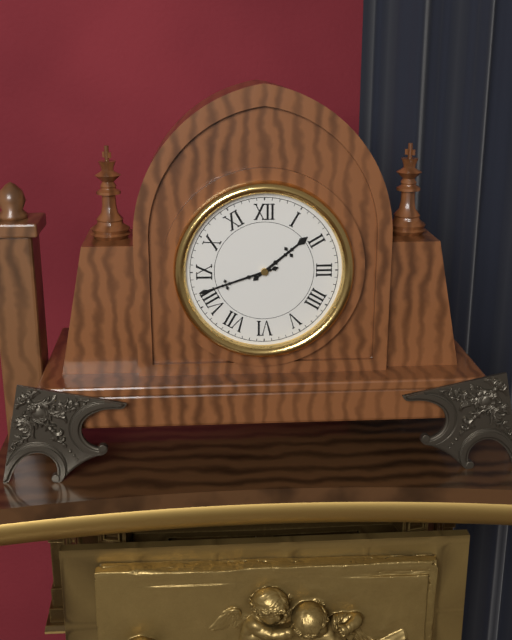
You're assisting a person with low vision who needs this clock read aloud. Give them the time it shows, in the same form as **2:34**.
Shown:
**1:42**
